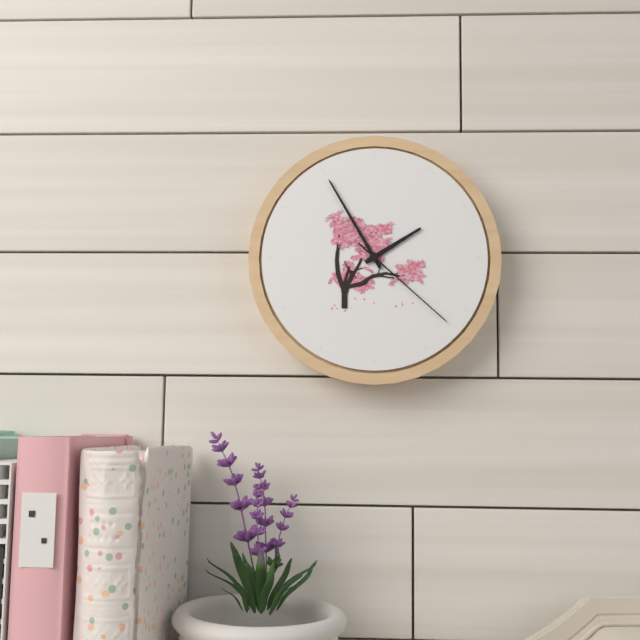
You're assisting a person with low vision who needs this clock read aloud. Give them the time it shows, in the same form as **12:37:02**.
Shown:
**1:55:22**
